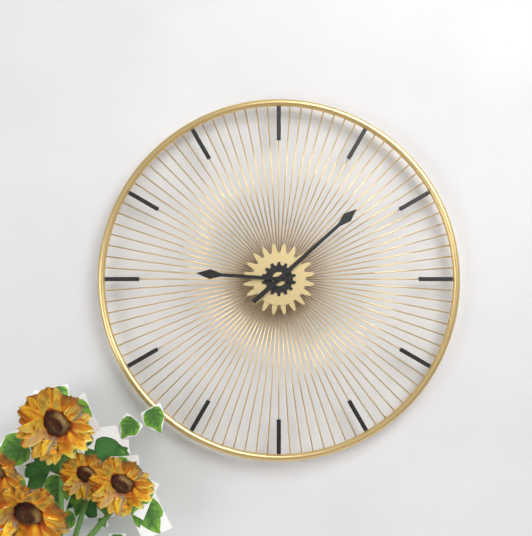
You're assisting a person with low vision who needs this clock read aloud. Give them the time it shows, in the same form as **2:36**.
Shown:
**9:08**
